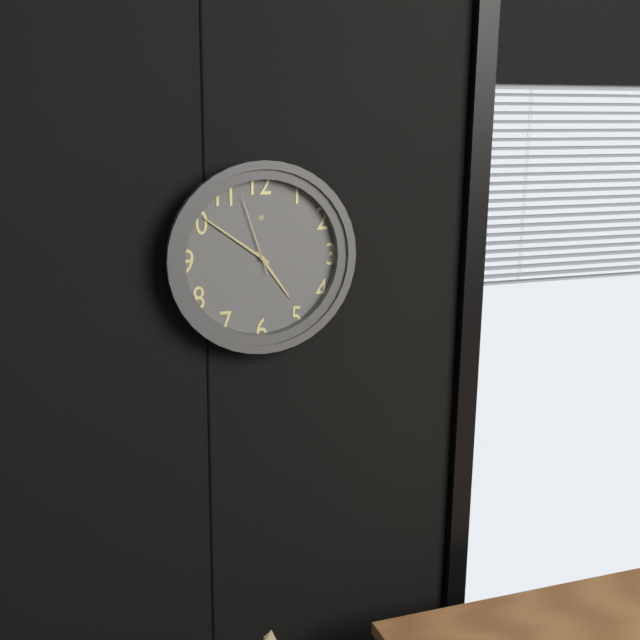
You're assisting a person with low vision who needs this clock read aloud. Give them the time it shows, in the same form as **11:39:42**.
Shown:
**4:51:57**
